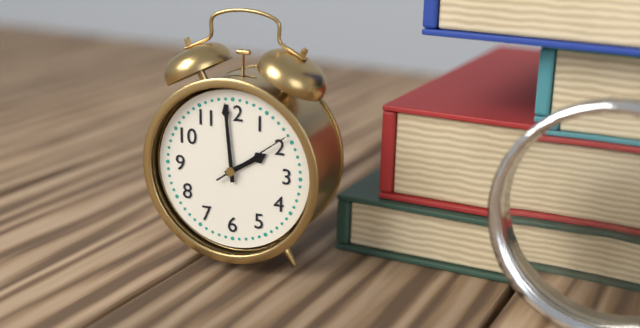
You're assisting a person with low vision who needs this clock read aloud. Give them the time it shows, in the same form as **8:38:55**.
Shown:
**1:59:09**
